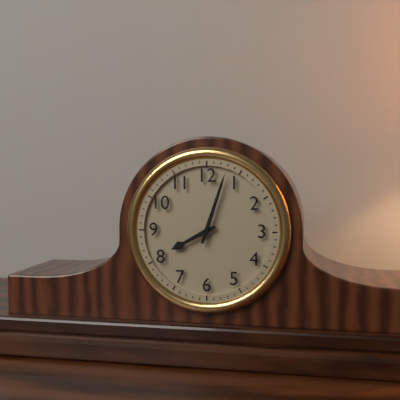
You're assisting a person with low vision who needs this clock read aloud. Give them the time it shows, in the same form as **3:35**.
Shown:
**8:03**
